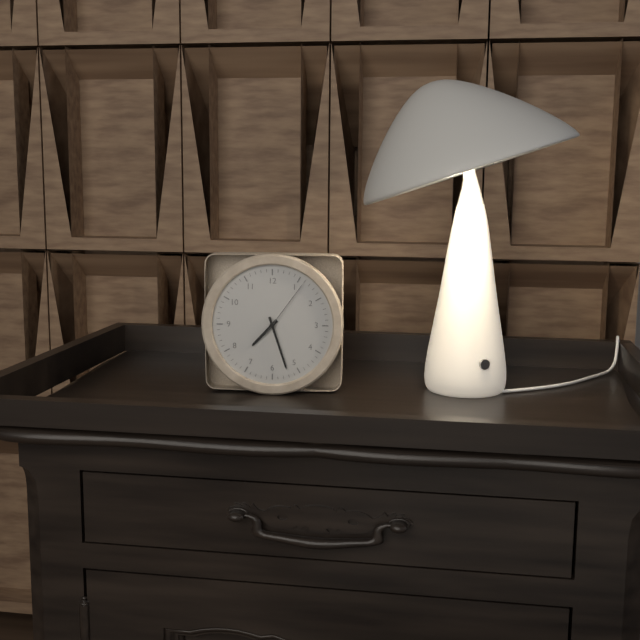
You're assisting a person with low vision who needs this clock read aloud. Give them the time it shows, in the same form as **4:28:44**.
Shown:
**7:27:06**
